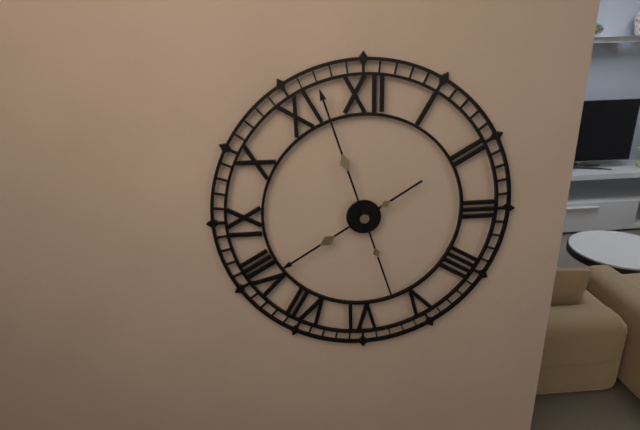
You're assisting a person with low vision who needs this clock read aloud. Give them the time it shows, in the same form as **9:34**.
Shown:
**7:57**
